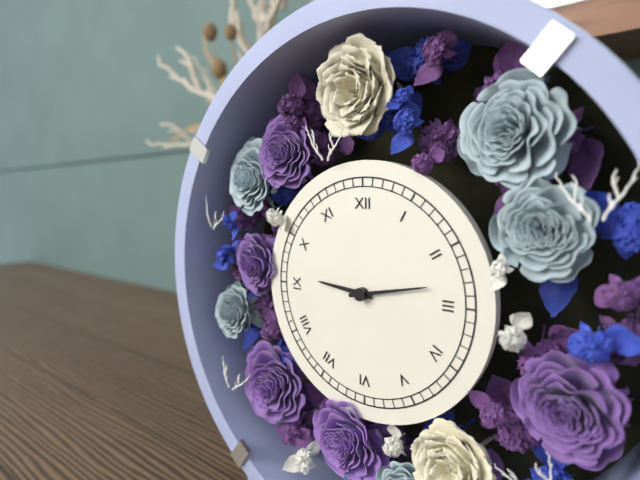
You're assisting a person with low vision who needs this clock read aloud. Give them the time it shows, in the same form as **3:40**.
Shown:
**9:13**
